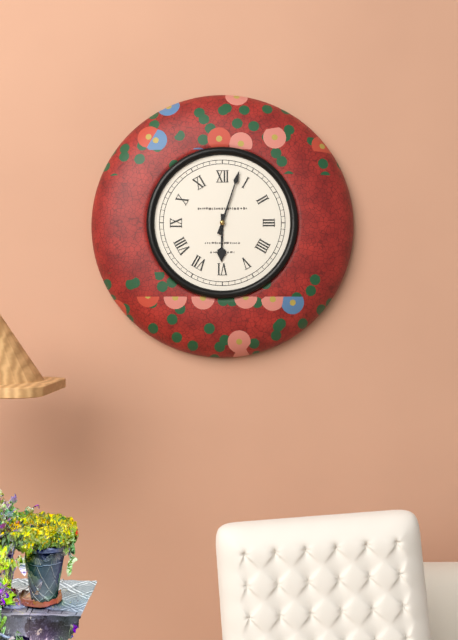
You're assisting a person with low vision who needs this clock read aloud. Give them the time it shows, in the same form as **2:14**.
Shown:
**6:03**
